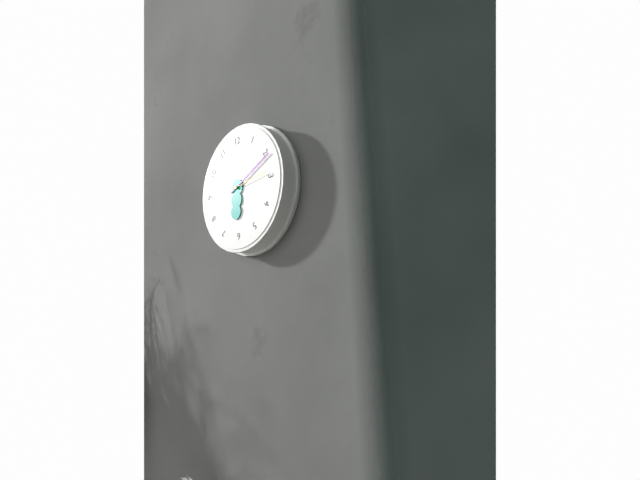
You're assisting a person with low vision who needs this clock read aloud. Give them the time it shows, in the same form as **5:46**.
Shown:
**6:11**
